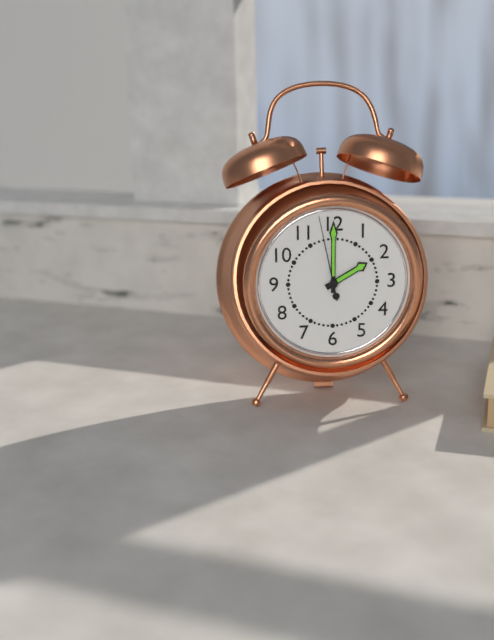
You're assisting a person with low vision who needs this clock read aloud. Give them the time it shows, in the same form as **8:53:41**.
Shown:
**2:00:58**
